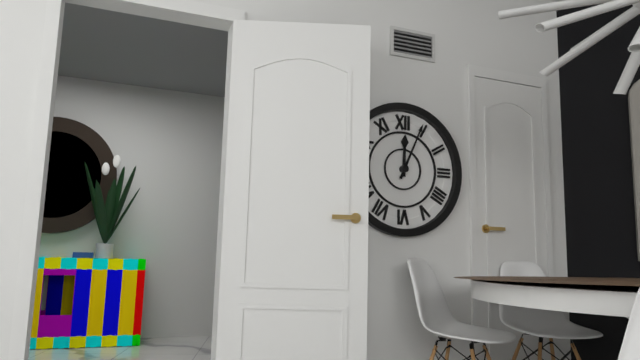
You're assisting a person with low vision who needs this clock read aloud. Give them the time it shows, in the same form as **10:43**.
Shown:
**12:04**
